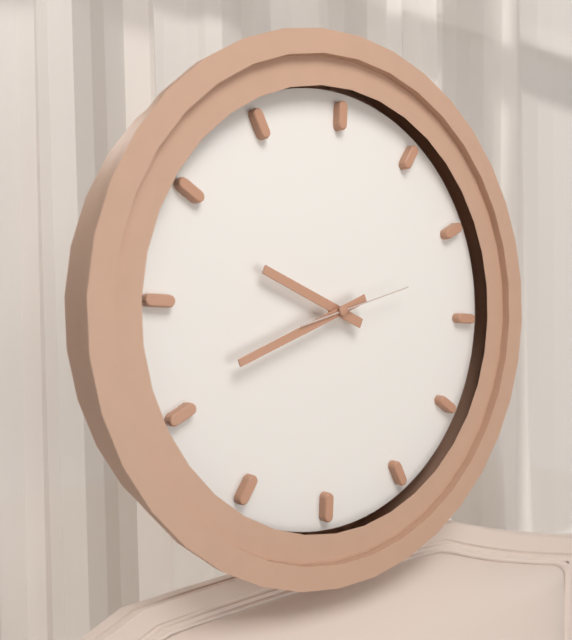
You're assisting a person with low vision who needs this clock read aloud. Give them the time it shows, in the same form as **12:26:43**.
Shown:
**9:41:12**
